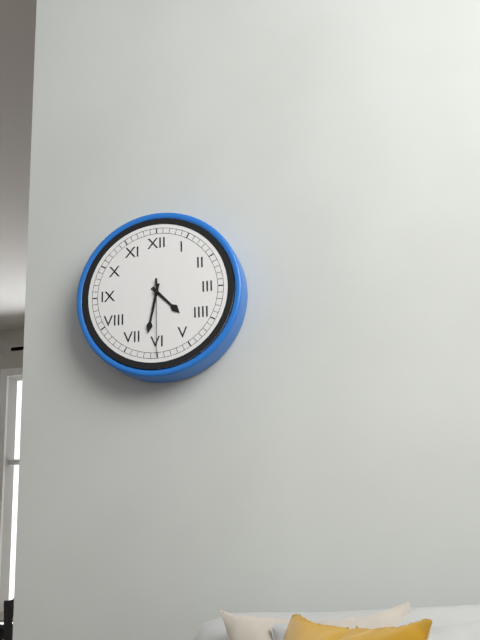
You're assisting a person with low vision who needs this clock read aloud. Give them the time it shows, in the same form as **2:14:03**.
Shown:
**4:32:30**
